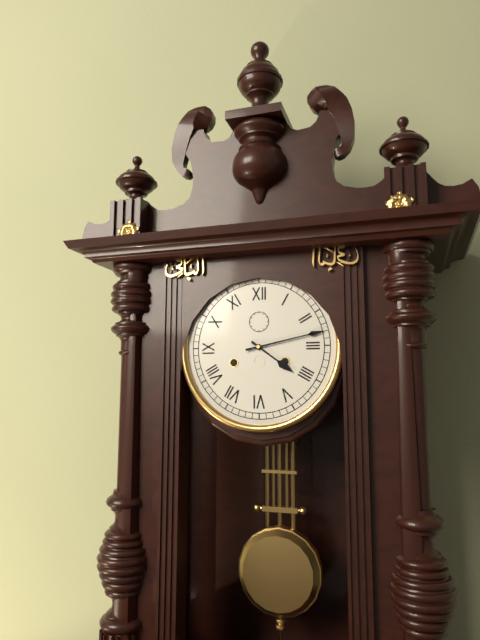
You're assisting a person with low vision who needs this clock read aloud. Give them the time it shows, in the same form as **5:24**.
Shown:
**4:13**
